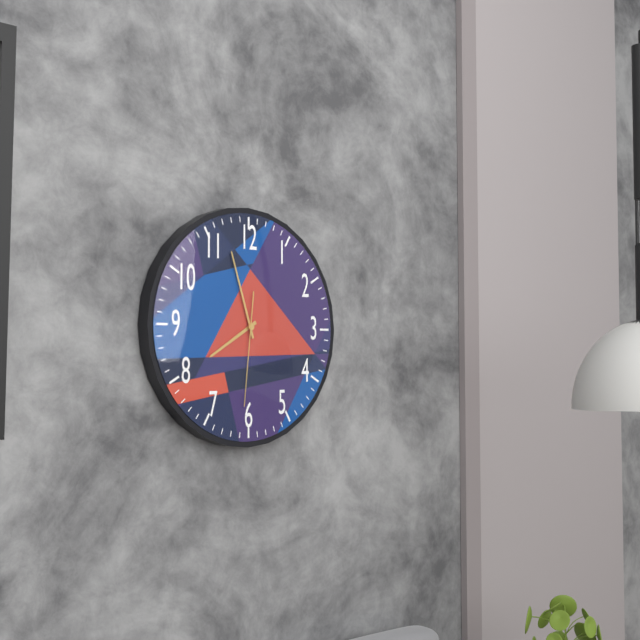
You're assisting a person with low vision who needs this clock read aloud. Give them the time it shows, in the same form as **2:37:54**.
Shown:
**7:57:31**
